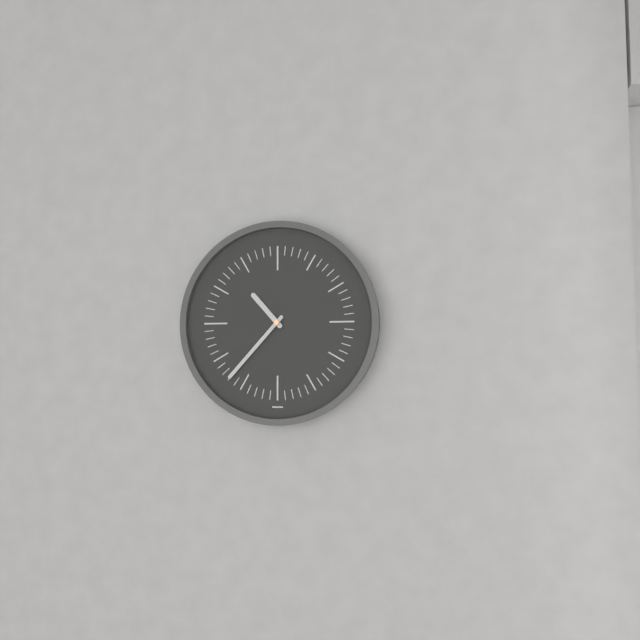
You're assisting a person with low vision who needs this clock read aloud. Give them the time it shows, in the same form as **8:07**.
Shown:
**10:37**
